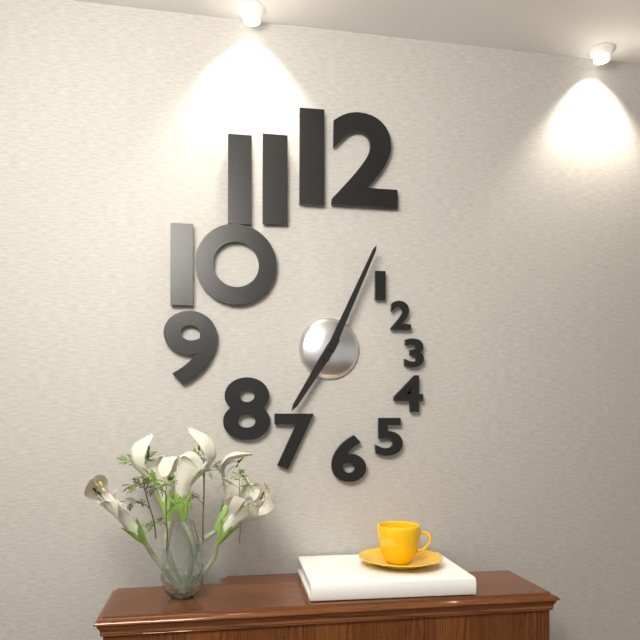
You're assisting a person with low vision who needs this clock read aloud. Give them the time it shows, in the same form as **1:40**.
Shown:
**7:04**
